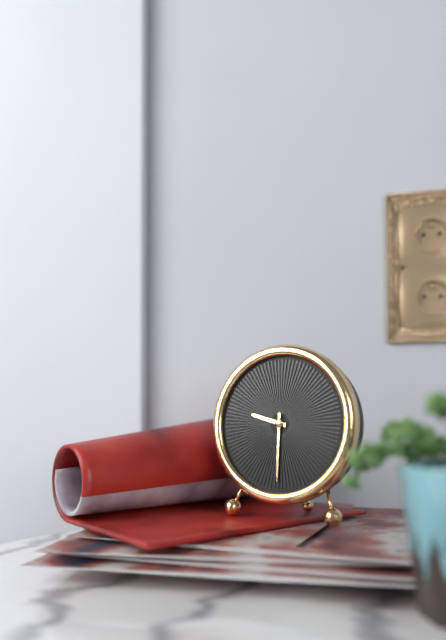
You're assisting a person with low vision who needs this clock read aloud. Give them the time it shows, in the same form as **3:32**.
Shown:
**9:30**
